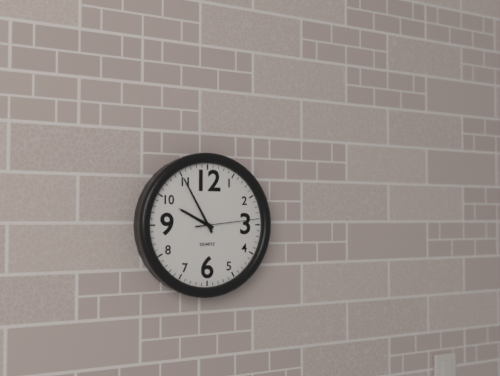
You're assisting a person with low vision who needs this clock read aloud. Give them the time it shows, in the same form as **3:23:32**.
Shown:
**9:55:14**
